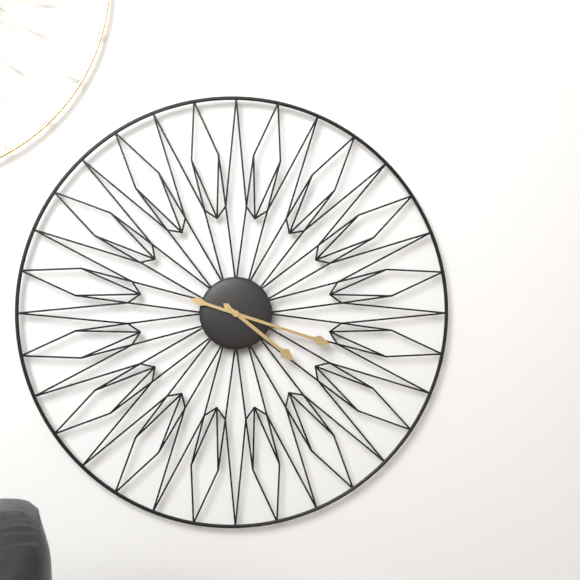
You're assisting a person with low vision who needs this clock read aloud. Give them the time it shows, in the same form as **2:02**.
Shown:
**4:18**
